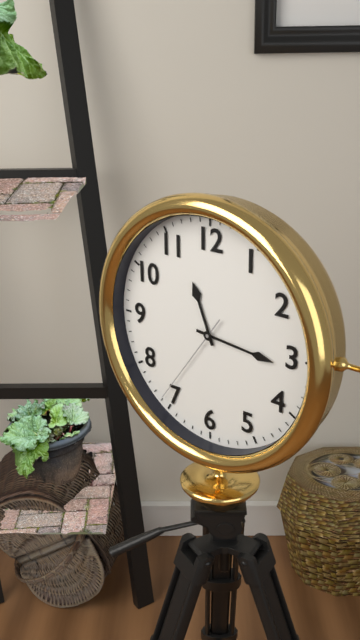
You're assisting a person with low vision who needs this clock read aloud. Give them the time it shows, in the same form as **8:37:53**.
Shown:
**11:16:36**
